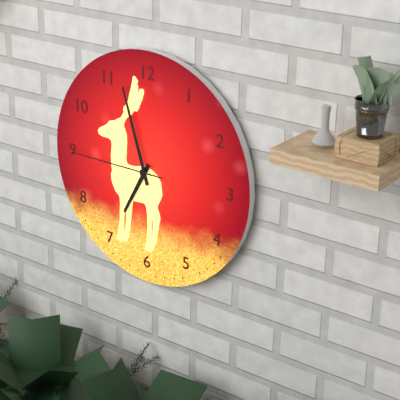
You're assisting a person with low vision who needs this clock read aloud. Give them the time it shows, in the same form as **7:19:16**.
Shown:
**6:57:45**
